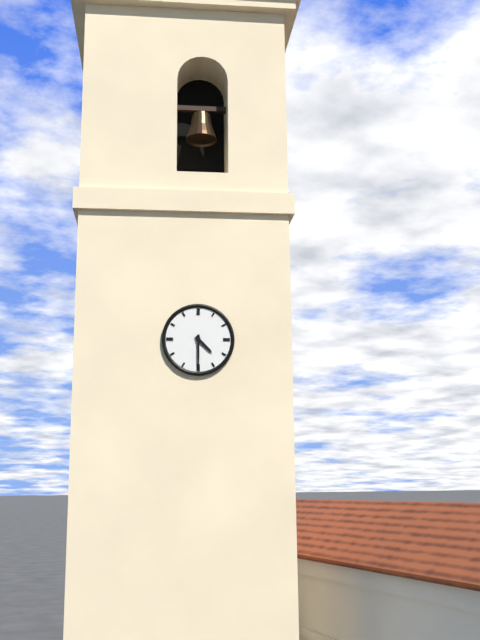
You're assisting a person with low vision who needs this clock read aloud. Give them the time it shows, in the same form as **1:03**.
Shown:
**4:30**
